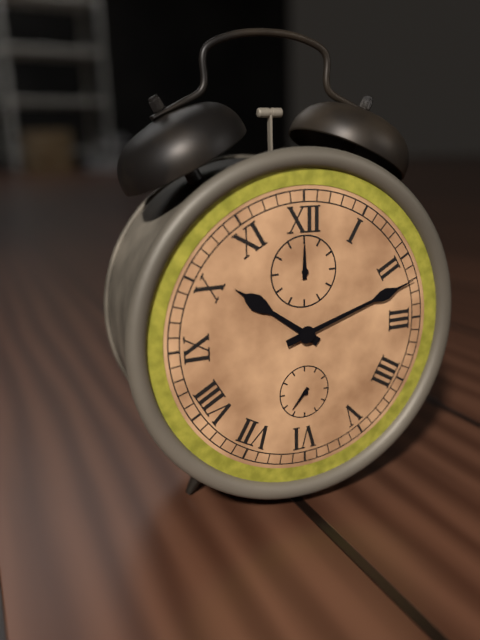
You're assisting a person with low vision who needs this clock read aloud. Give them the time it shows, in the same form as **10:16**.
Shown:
**10:12**
